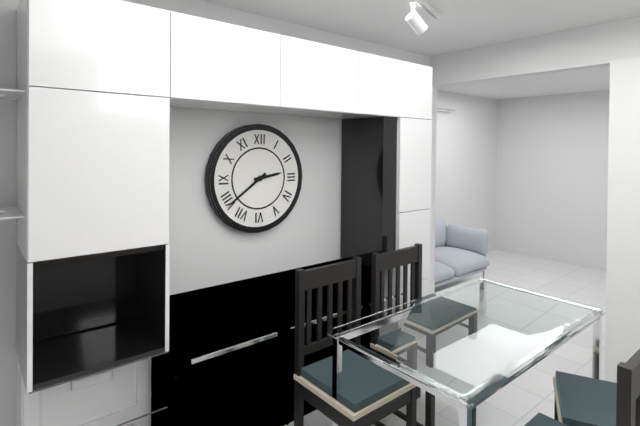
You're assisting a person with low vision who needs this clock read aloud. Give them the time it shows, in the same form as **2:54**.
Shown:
**2:39**
